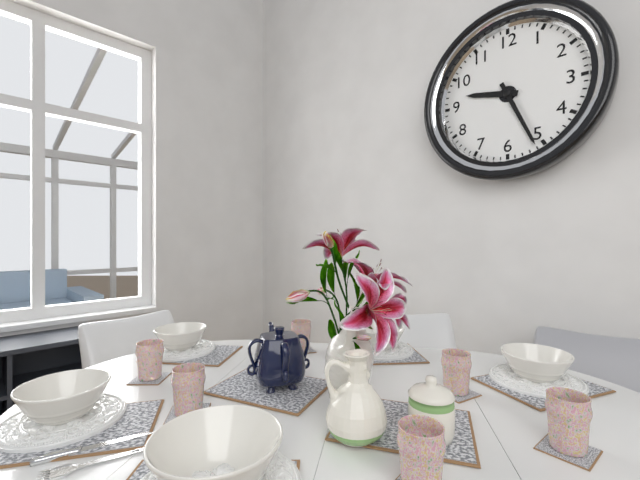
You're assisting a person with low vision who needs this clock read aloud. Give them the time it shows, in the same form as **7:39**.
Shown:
**9:26**
